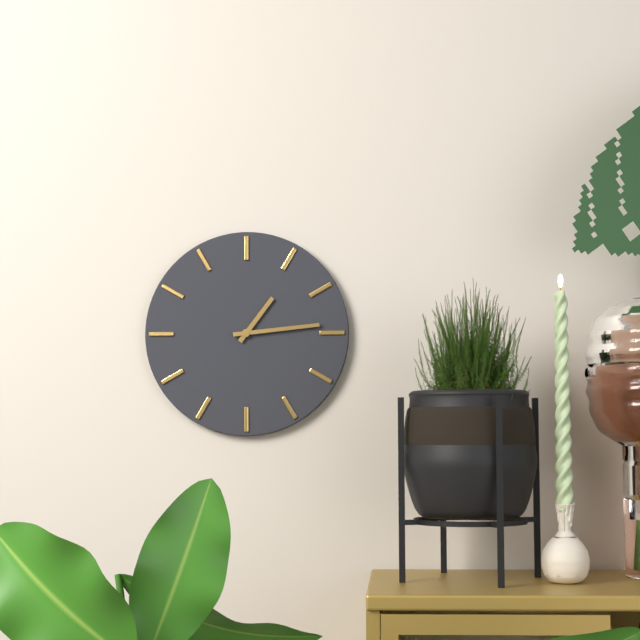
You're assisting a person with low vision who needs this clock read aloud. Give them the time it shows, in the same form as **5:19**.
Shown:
**1:14**
